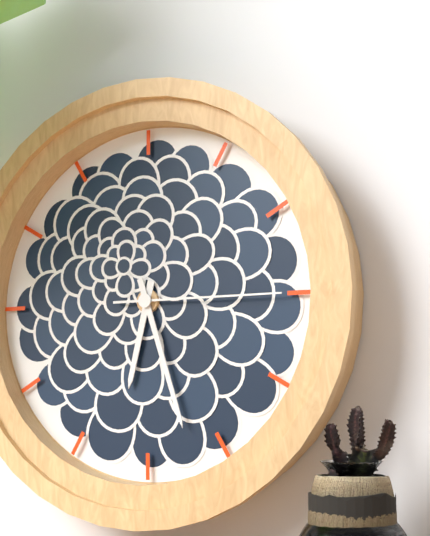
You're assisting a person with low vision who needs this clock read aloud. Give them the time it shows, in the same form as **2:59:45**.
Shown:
**6:27:15**
